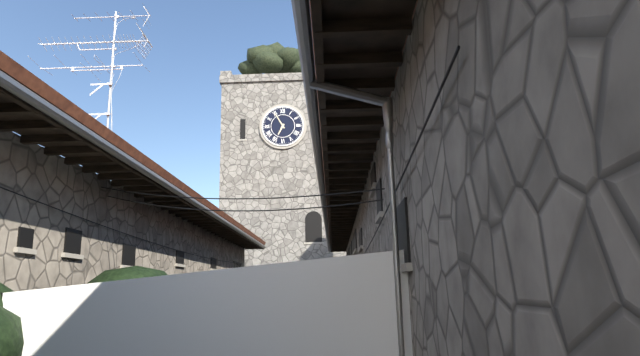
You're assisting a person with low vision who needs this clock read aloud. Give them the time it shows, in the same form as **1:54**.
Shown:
**6:55**
